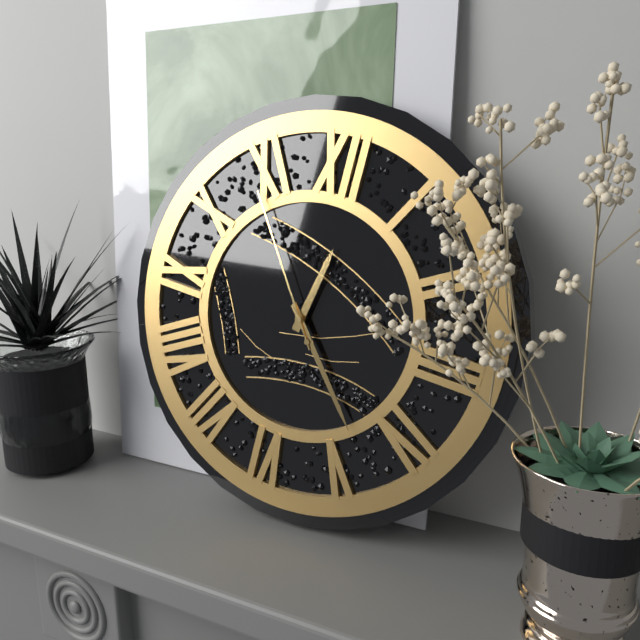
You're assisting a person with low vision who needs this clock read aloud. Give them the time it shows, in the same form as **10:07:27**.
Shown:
**12:23:54**
